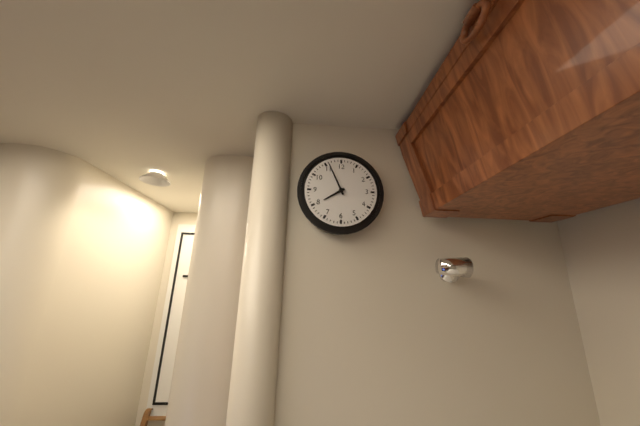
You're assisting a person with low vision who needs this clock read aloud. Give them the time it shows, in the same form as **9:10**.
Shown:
**7:56**
